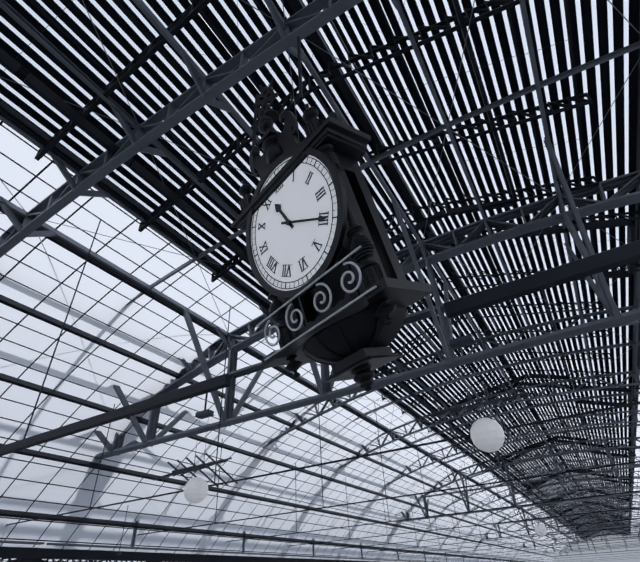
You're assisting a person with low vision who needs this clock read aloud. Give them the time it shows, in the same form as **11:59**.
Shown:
**11:20**
